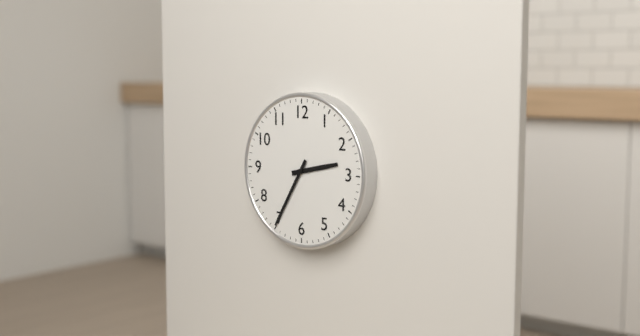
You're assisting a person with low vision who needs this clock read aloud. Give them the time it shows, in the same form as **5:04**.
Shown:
**2:35**
